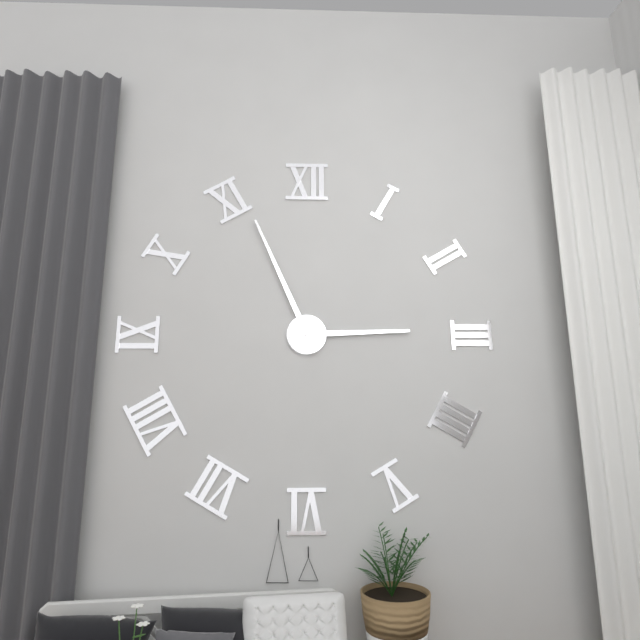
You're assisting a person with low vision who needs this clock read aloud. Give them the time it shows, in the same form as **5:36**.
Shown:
**2:56**
